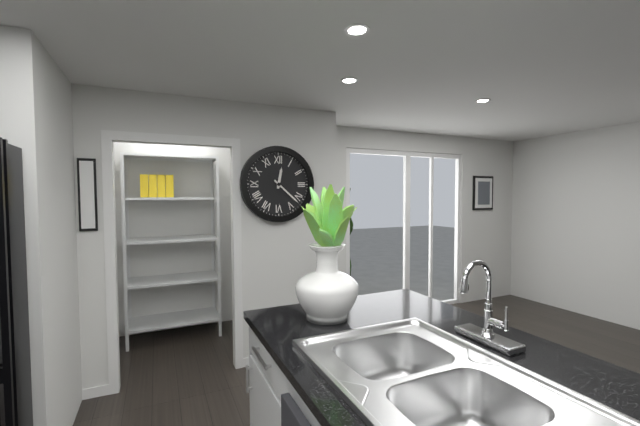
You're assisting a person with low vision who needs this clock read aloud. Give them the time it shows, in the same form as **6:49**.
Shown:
**12:22**
